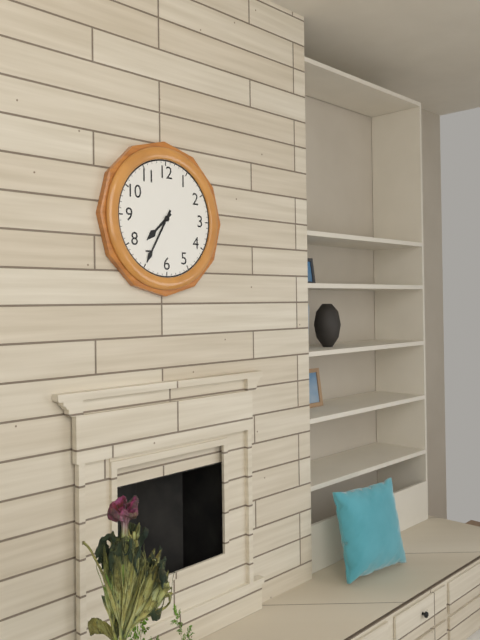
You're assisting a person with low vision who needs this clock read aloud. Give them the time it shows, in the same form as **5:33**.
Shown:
**7:35**
